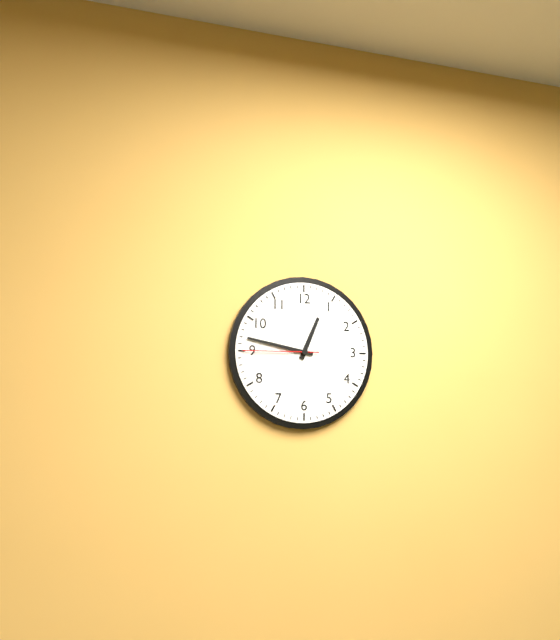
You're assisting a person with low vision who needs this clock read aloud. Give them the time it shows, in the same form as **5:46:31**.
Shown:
**12:47:45**
